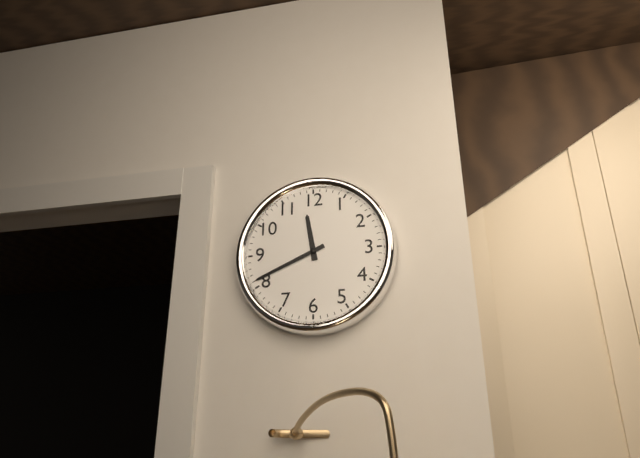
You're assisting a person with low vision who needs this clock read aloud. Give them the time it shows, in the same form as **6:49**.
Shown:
**11:41**
